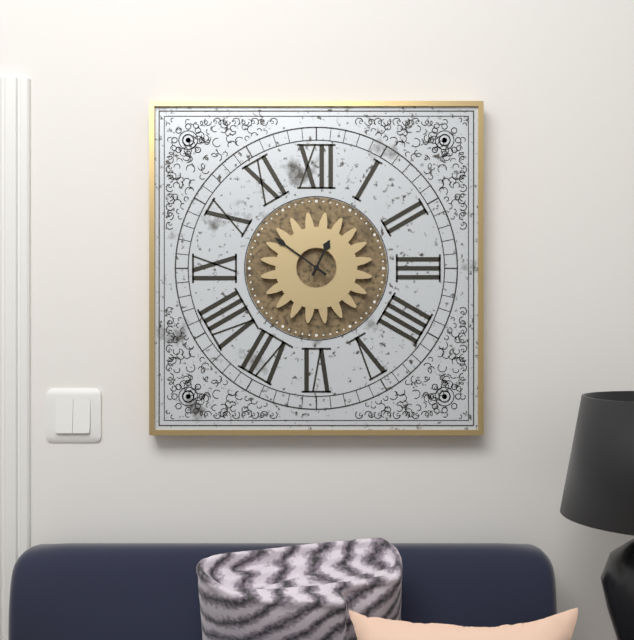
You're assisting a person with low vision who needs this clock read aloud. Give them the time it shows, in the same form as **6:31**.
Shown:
**12:51**
